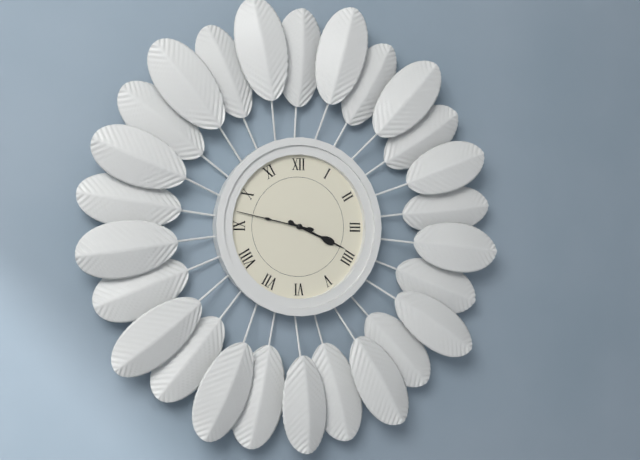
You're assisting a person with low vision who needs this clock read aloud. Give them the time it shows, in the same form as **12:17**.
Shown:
**3:47**
